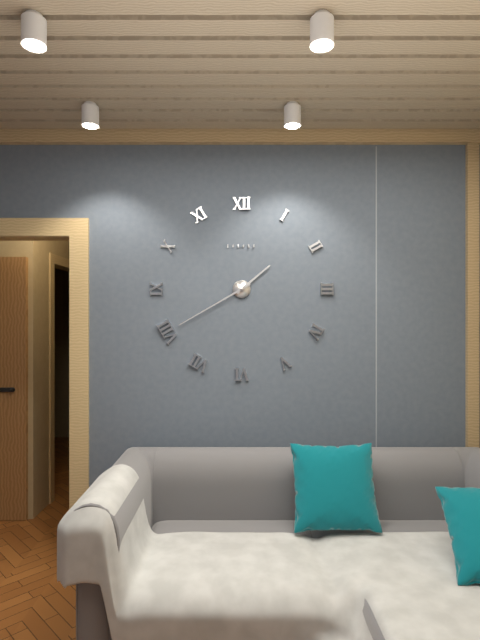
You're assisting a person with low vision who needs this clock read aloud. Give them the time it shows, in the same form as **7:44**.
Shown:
**1:40**
